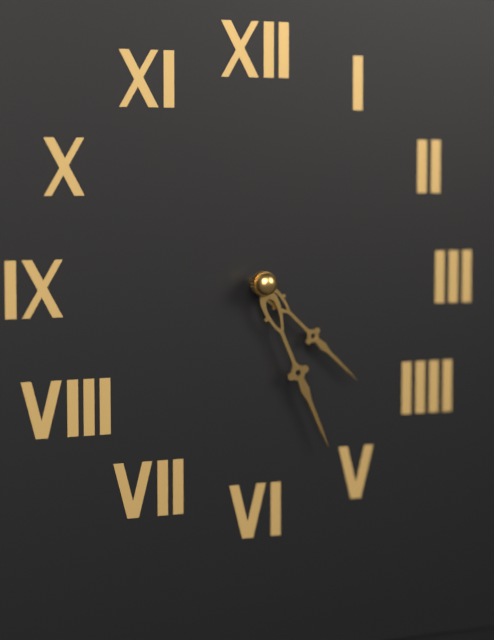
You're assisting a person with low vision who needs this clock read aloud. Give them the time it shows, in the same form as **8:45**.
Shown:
**4:26**
